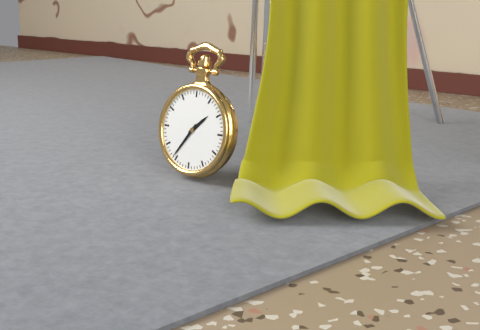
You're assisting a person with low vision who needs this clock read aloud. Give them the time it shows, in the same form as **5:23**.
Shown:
**1:36**
